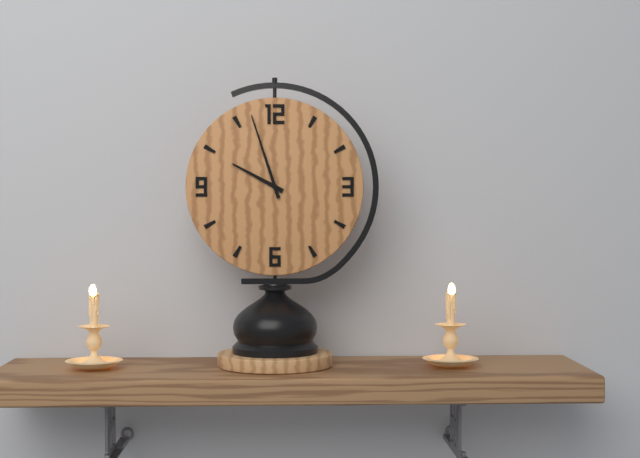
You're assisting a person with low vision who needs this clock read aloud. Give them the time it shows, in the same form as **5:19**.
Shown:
**9:57**
